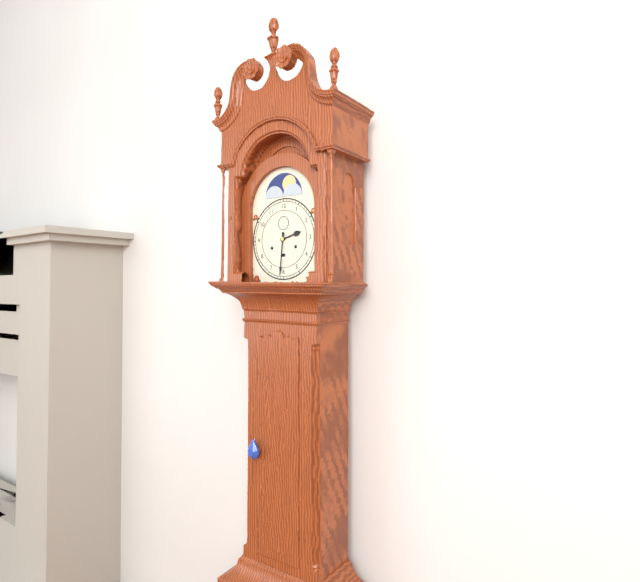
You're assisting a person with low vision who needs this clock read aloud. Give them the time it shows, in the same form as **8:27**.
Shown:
**2:31**
